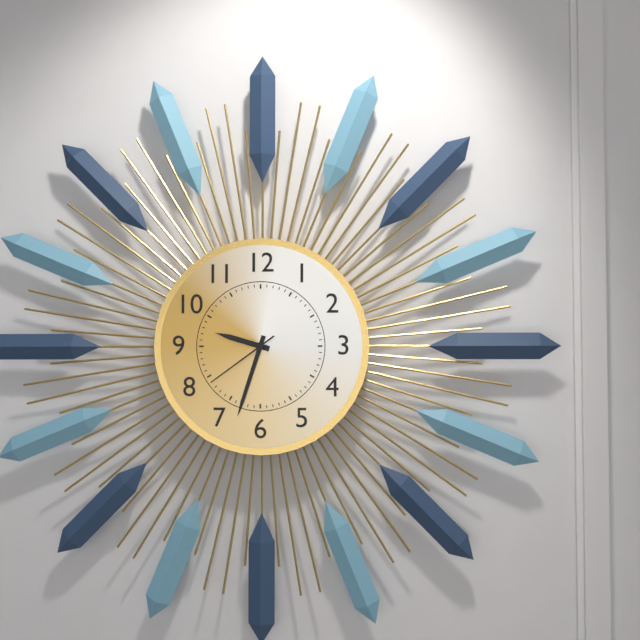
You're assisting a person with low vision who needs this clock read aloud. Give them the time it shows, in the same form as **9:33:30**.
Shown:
**9:33:39**
